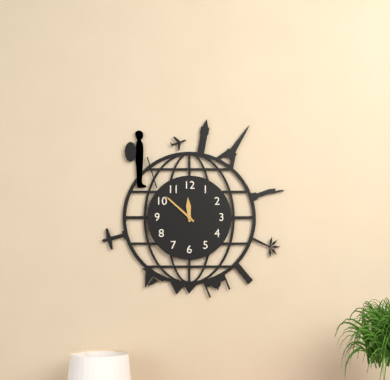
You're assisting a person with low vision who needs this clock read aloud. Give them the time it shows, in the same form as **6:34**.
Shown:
**11:52**
